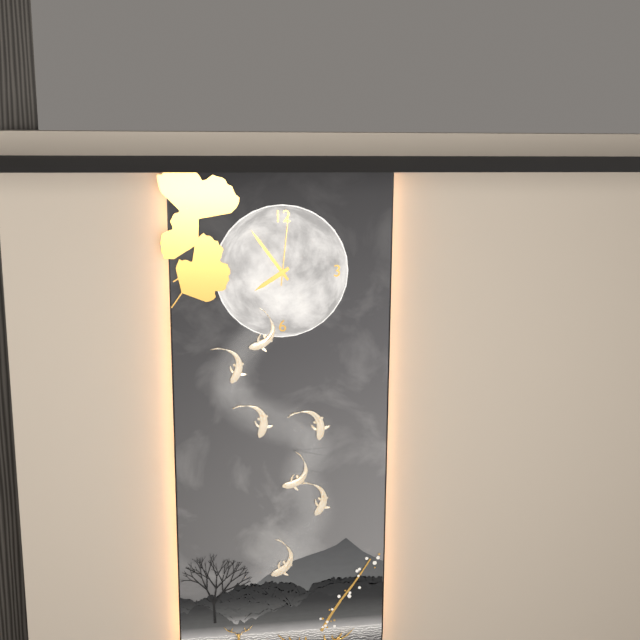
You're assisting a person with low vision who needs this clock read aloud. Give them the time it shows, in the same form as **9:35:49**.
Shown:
**7:54:01**
